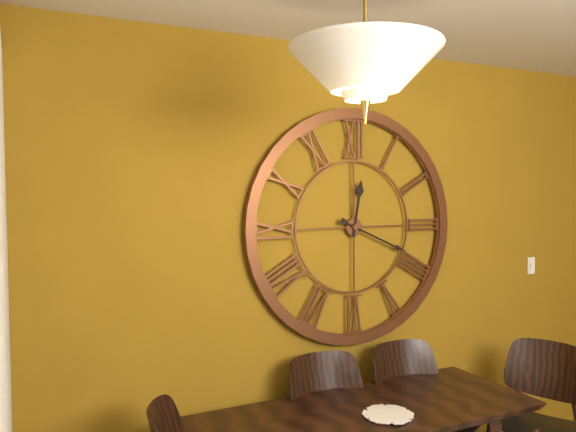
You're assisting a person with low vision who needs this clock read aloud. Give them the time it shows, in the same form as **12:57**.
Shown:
**12:19**
